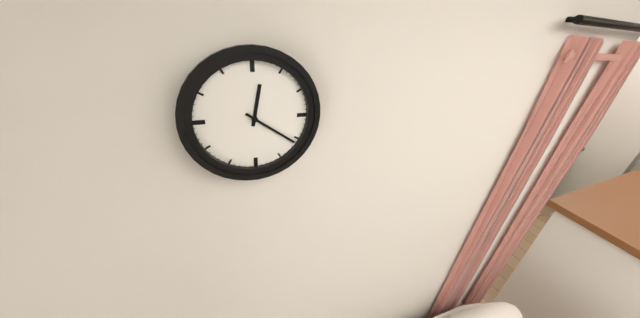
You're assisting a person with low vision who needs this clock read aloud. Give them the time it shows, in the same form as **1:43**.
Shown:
**12:21**
